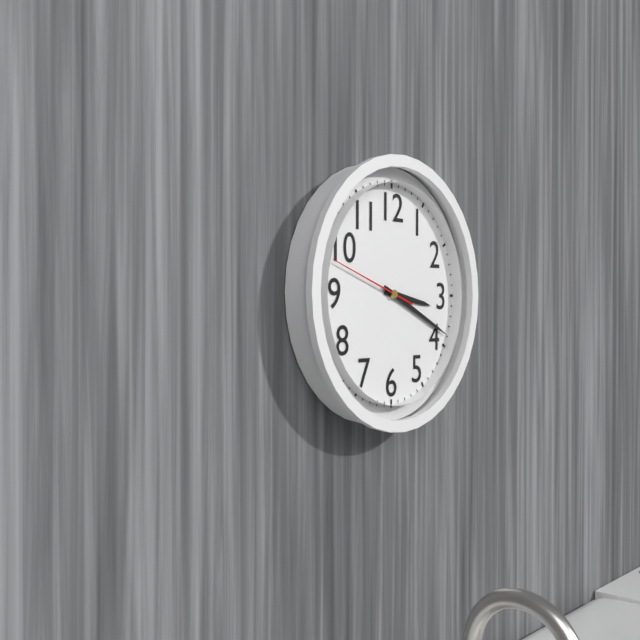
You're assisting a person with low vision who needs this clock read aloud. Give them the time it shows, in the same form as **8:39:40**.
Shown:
**3:19:48**
